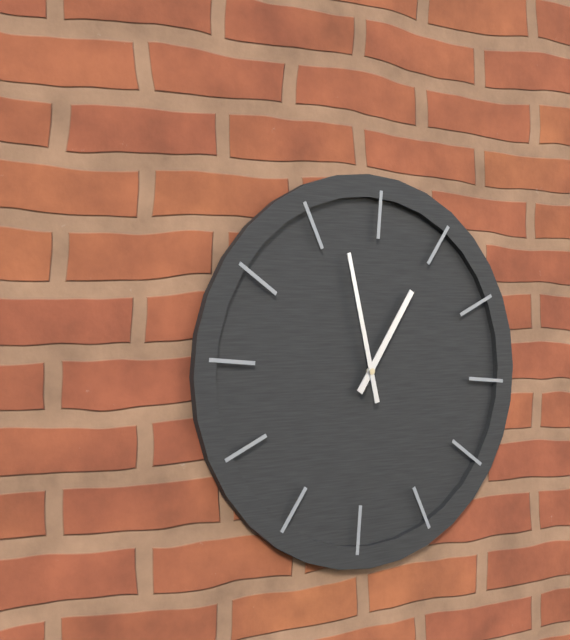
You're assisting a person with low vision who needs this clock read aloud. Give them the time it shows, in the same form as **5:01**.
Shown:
**12:57**
